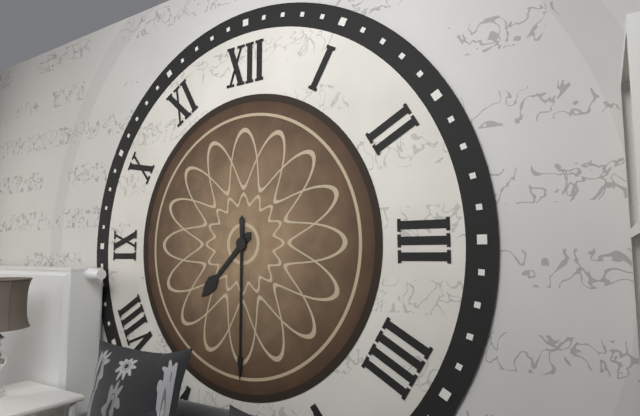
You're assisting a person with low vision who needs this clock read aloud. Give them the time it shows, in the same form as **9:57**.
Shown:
**7:30**
